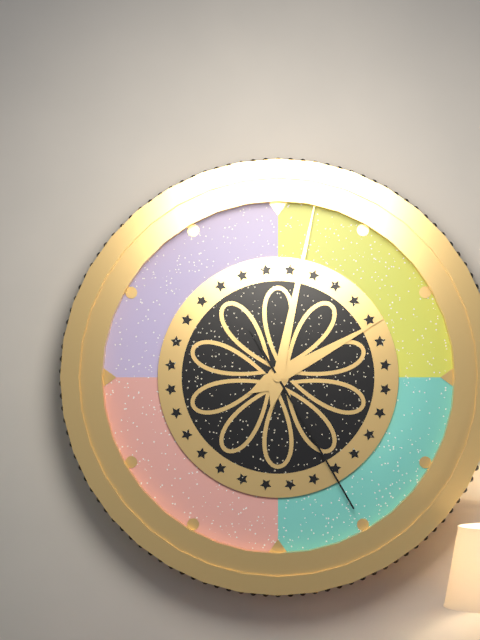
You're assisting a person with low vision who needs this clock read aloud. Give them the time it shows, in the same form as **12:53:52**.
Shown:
**2:02:25**
